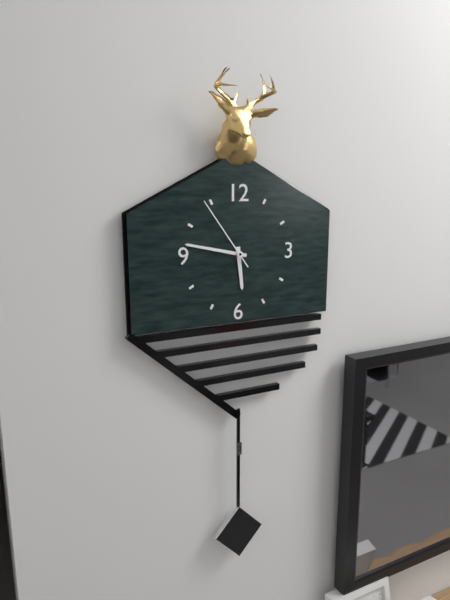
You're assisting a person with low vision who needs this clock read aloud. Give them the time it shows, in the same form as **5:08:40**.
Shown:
**5:47:54**
